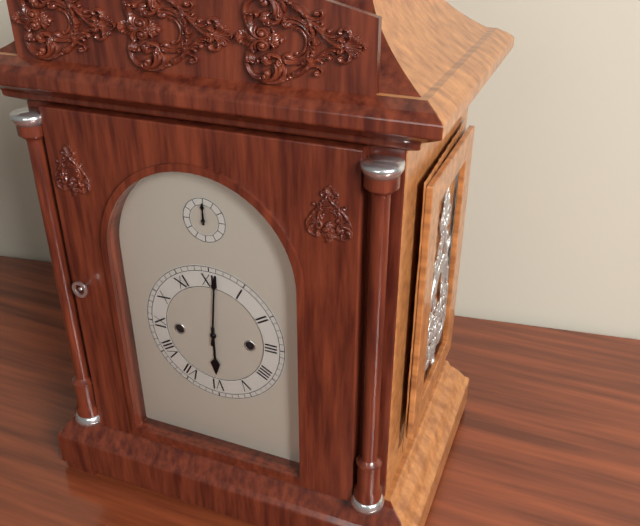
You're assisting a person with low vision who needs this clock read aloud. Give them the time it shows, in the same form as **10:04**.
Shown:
**6:01**
